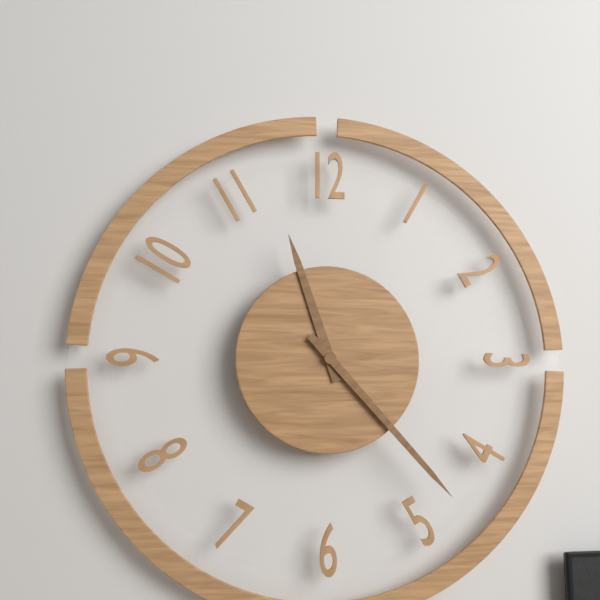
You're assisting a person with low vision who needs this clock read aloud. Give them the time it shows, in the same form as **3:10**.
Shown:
**11:23**
